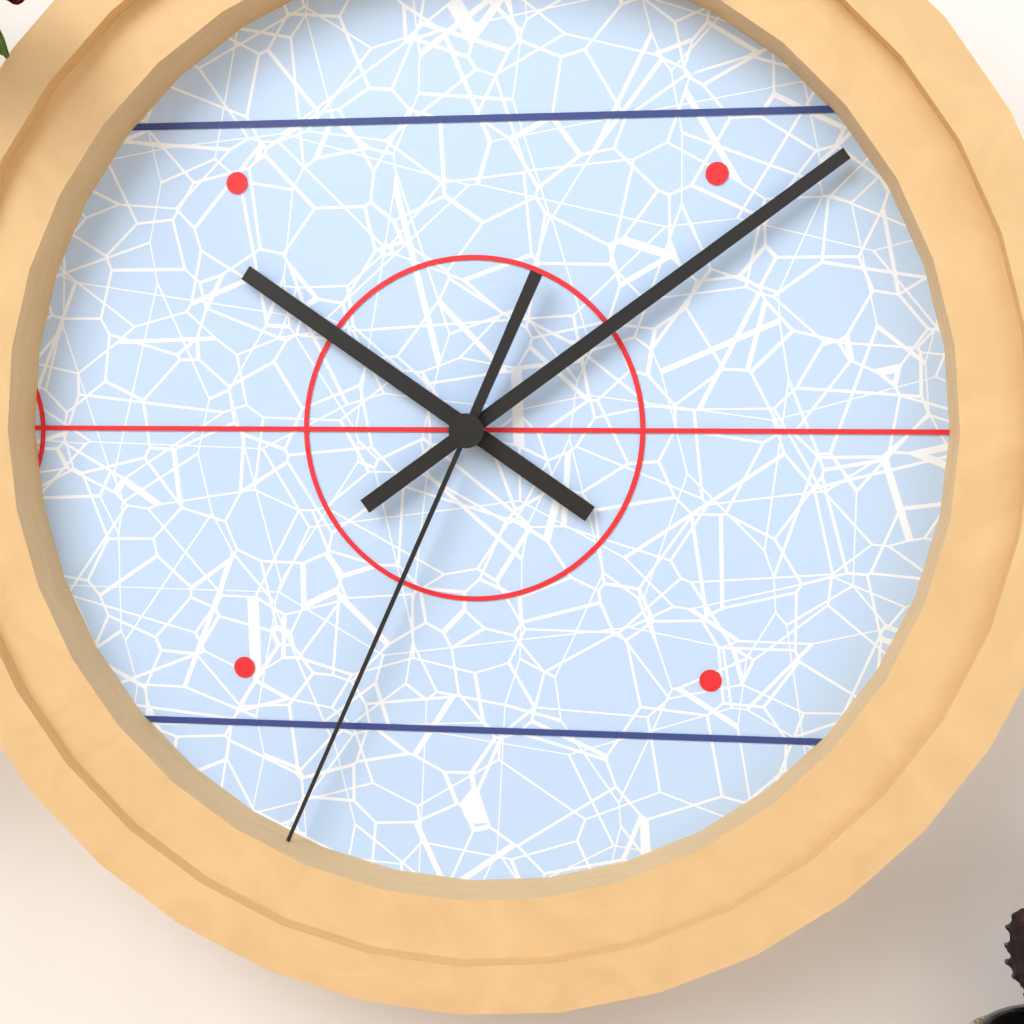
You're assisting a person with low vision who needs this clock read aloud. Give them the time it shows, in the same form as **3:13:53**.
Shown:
**10:09:34**
